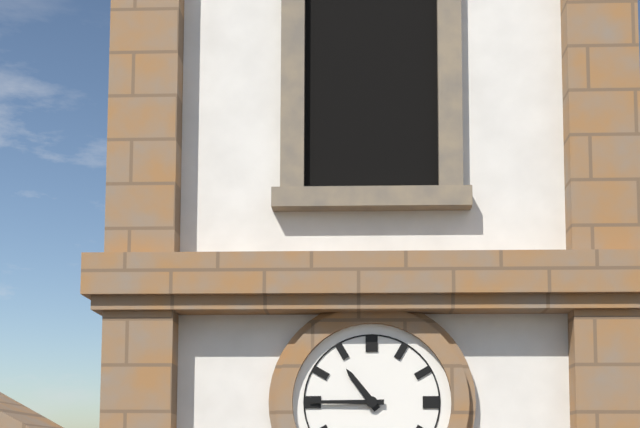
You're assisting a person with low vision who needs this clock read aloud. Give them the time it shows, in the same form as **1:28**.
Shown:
**10:45**
